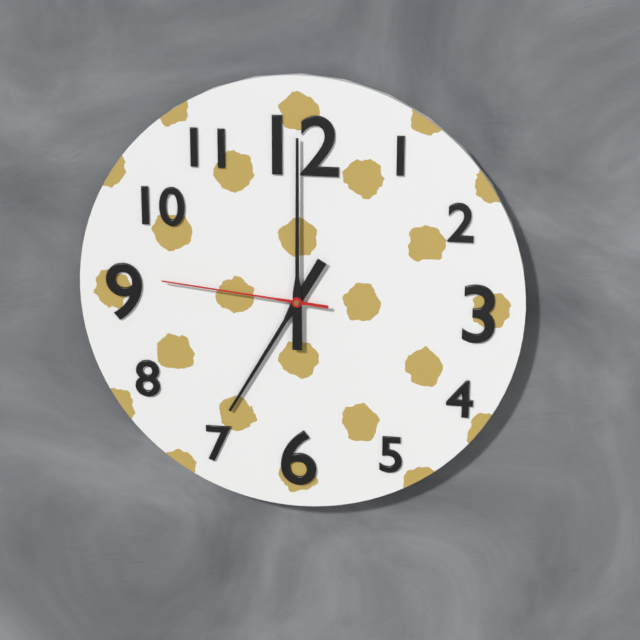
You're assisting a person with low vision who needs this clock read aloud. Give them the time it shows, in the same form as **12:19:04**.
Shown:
**7:00:46**
